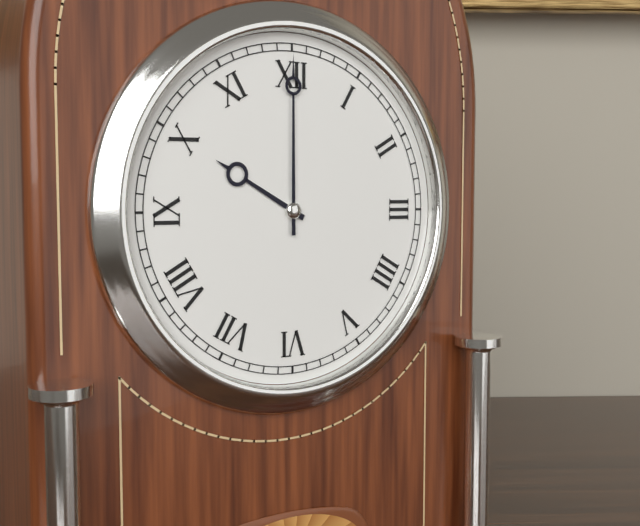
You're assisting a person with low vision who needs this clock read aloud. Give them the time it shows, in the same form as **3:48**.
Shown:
**10:00**
